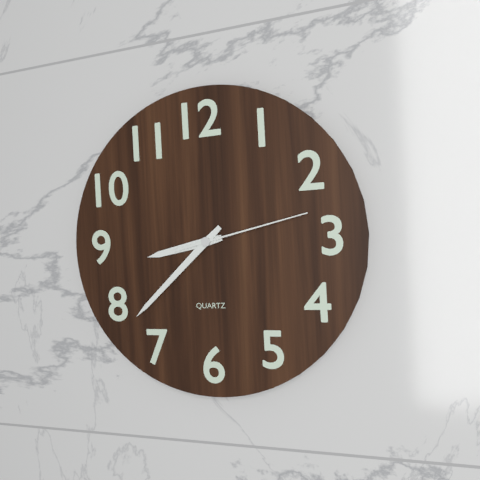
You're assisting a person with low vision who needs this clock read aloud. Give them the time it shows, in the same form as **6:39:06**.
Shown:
**8:38:13**
